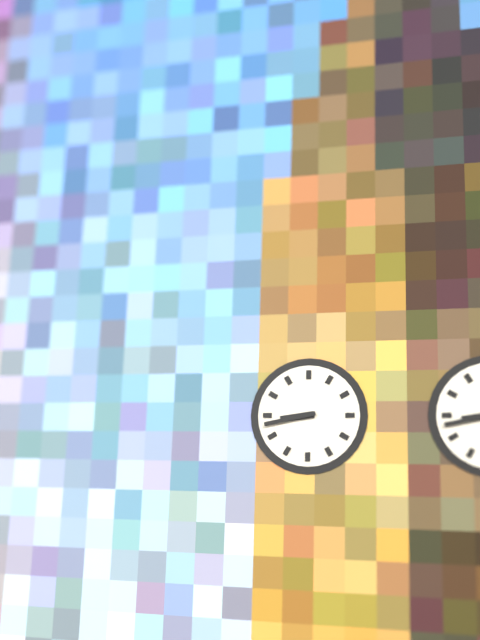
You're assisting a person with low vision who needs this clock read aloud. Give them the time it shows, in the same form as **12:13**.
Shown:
**8:43**
